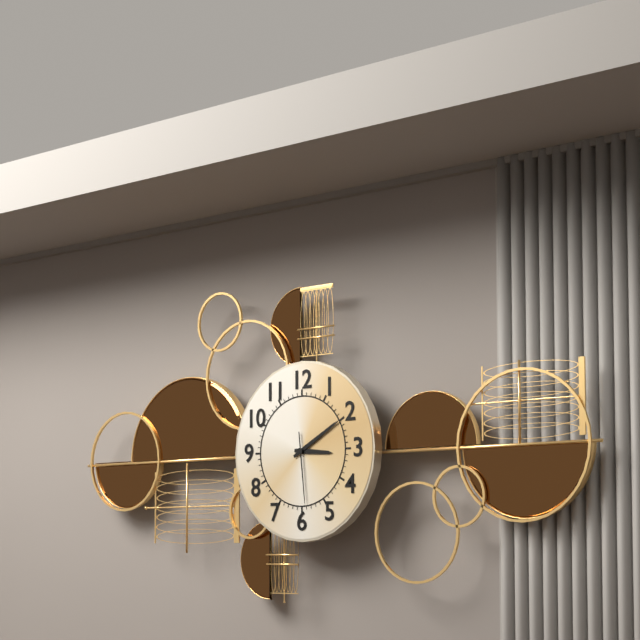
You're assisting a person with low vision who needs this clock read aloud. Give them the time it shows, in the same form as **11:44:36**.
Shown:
**3:10:29**
